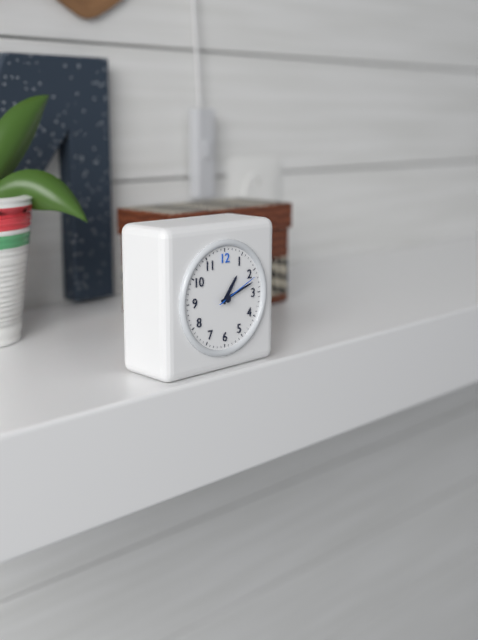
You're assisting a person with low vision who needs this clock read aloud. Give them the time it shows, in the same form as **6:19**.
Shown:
**1:12**
